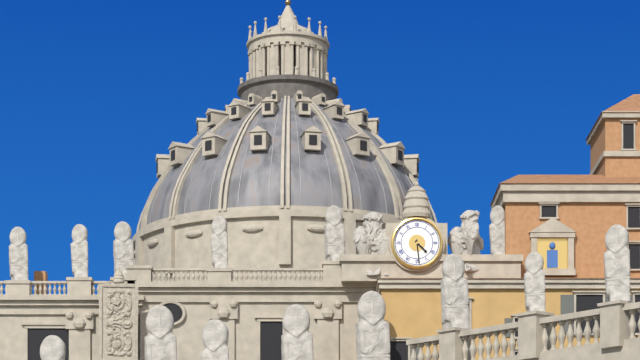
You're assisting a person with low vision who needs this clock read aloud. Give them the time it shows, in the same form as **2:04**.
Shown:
**4:29**
